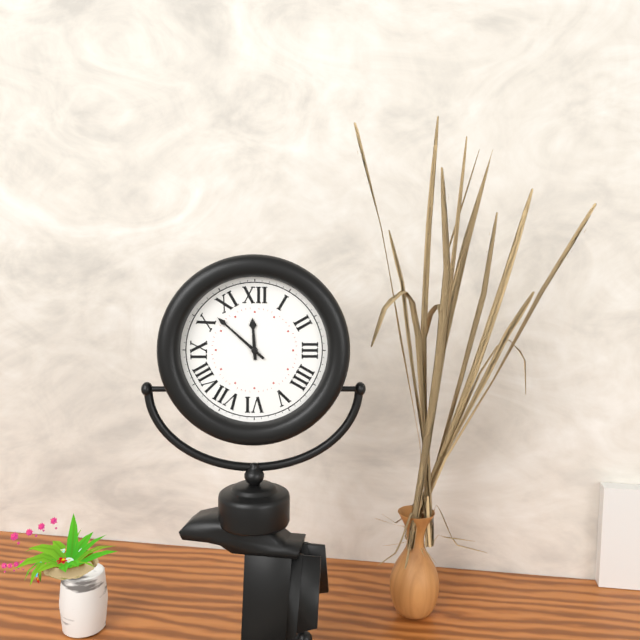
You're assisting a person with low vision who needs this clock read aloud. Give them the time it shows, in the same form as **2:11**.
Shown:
**11:52**
